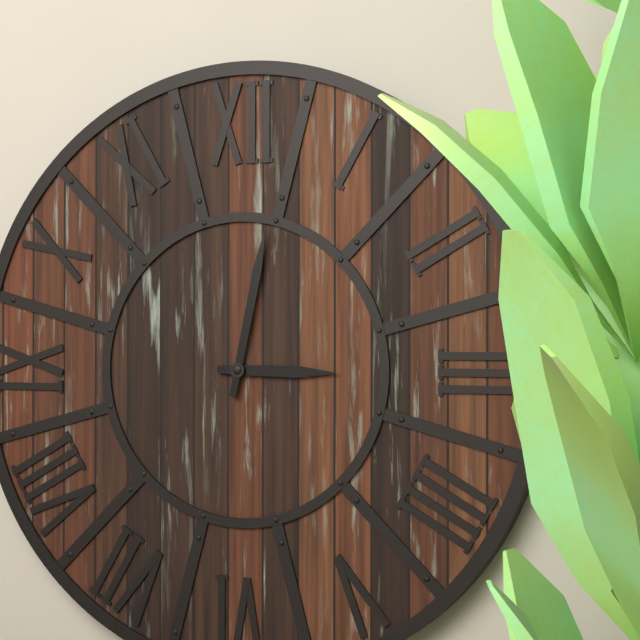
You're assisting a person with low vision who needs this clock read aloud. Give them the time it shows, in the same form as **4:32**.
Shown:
**3:02**
